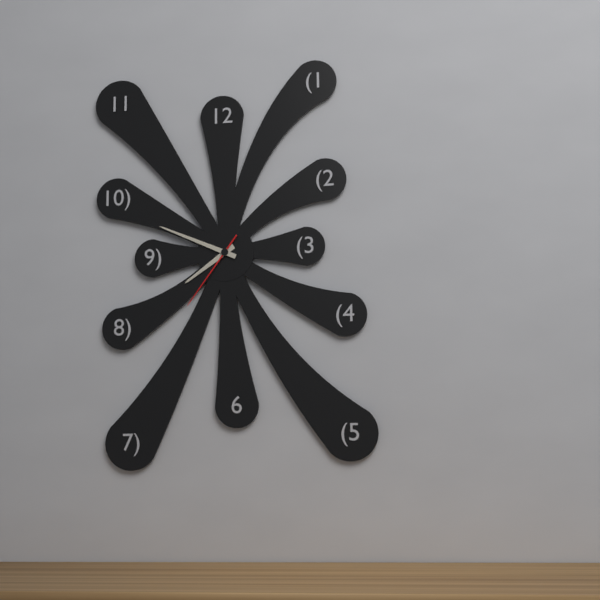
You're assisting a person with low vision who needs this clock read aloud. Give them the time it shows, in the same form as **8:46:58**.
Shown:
**7:49:36**
